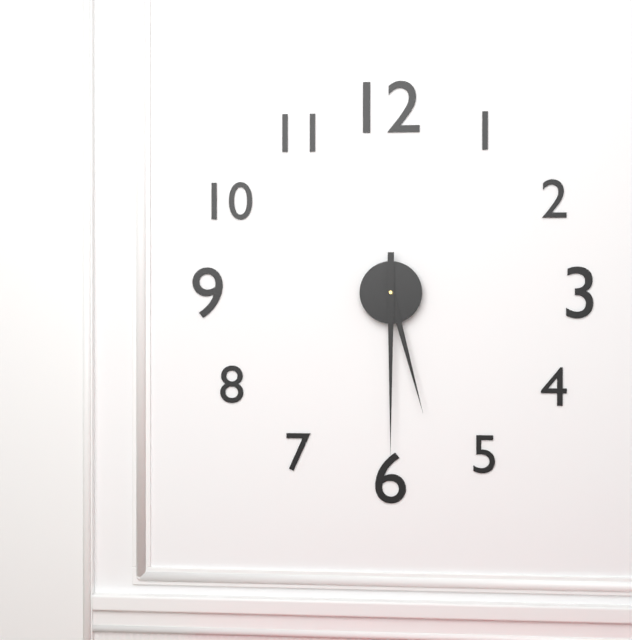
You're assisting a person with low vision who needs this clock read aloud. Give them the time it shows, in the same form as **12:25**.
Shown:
**5:30**
